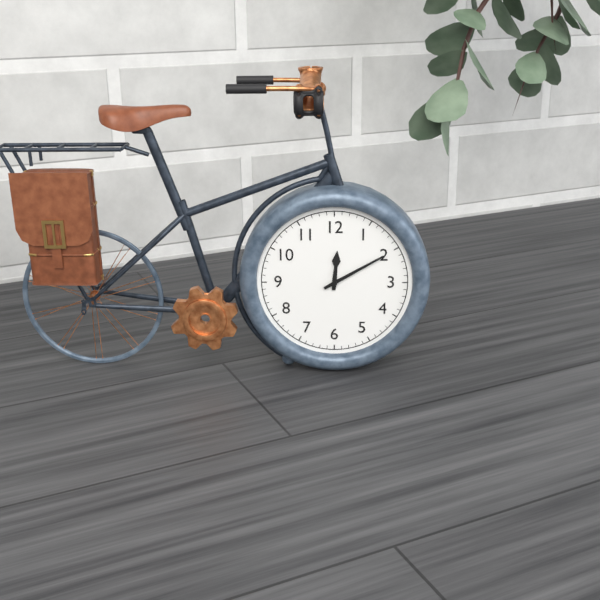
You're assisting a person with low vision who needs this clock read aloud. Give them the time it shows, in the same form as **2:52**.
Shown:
**12:10**
